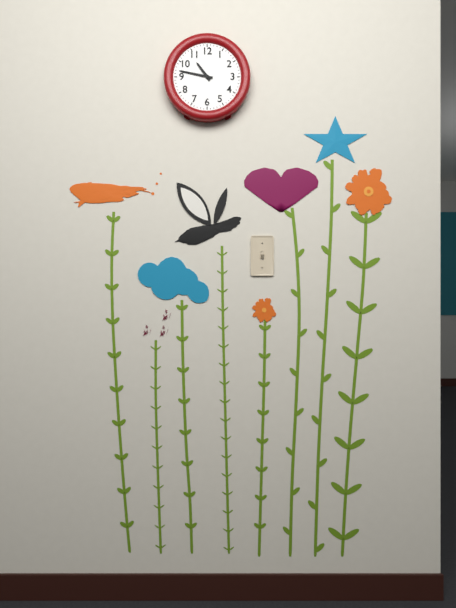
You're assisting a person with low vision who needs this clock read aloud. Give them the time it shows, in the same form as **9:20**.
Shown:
**10:47**
